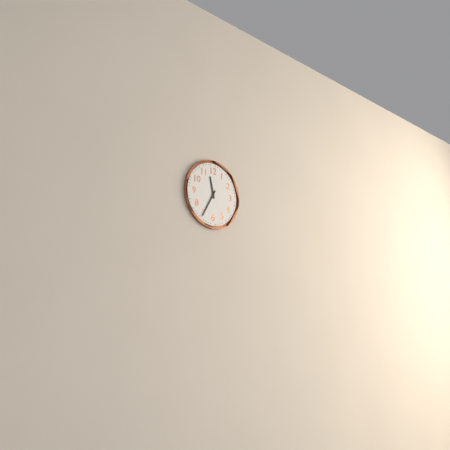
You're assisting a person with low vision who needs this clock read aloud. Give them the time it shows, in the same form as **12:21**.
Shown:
**11:35**
